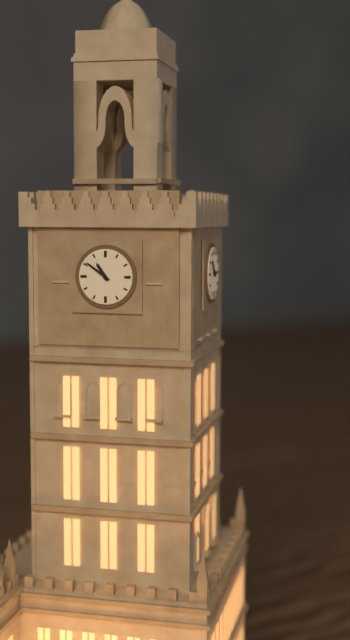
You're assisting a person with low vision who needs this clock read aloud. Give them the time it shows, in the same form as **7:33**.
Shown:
**10:51**
